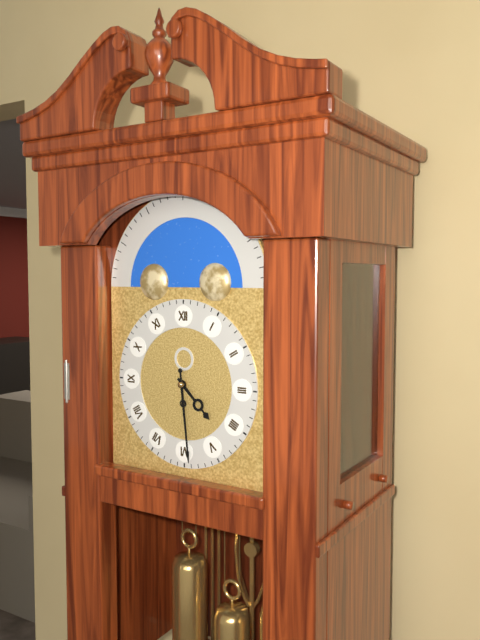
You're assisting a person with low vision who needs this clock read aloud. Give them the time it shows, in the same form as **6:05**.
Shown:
**4:29**
